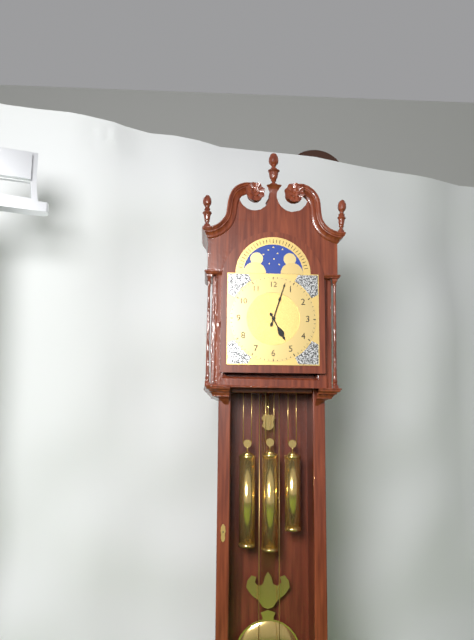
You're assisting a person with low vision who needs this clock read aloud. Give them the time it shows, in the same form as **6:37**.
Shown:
**5:03**
